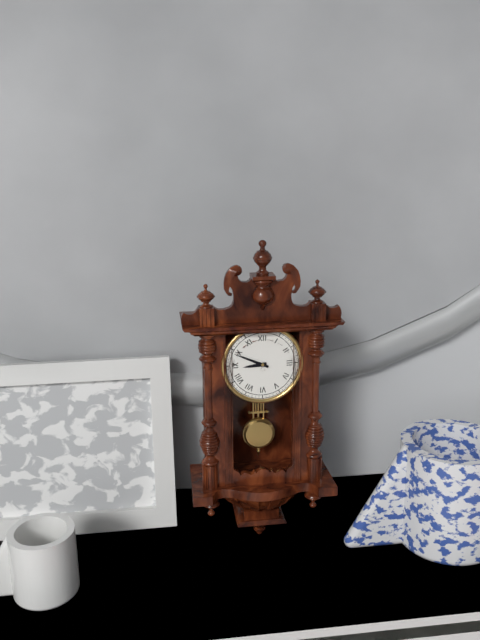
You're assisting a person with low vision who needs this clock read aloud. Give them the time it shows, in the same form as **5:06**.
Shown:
**8:49**
